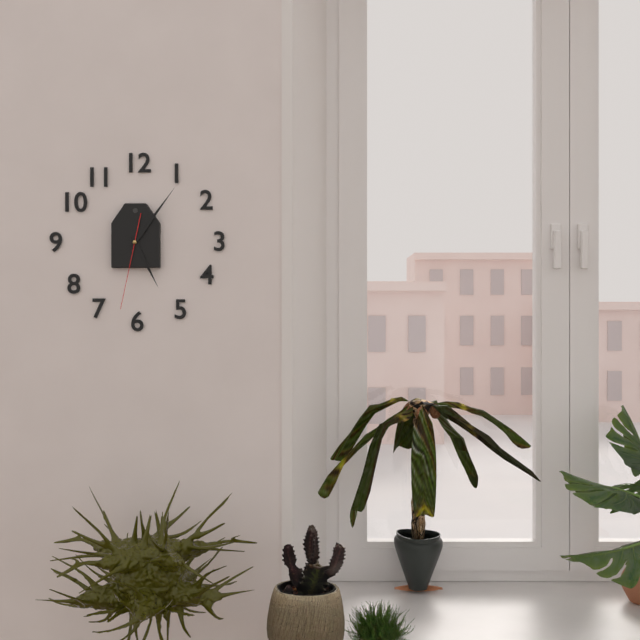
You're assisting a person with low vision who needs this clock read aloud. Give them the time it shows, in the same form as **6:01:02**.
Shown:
**5:06:32**
